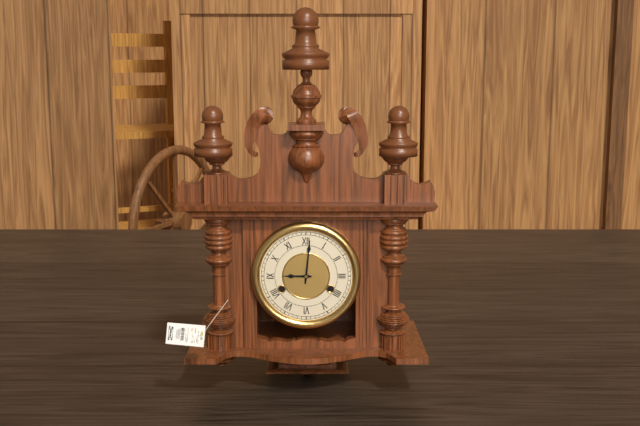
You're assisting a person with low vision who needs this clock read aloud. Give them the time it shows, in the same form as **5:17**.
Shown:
**9:01**
